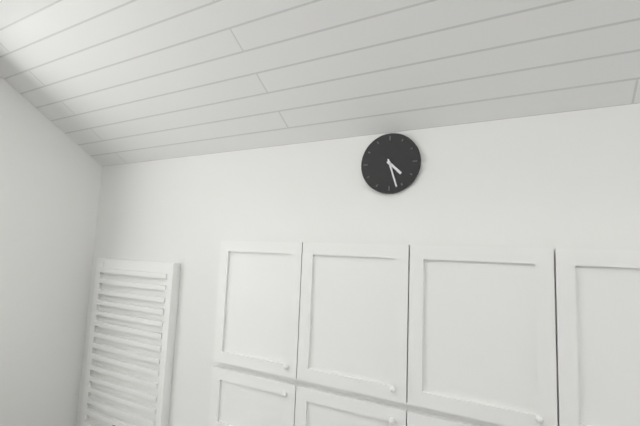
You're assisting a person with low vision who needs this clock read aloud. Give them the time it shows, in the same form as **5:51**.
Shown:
**4:27**
